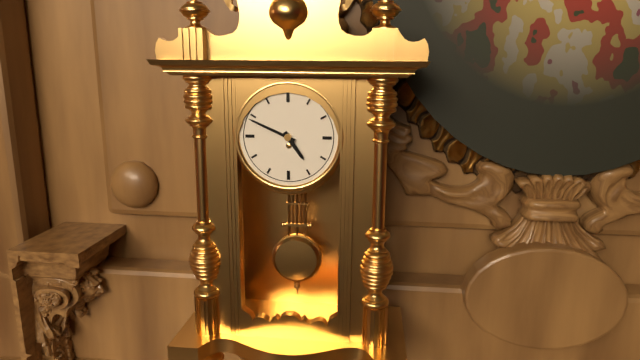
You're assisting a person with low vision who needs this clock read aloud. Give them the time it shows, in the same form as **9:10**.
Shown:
**4:49**
